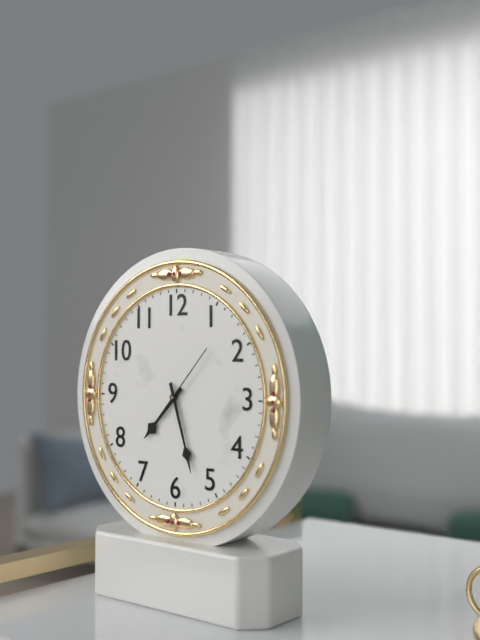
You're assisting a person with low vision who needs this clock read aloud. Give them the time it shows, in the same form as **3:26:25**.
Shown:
**7:27:07**
